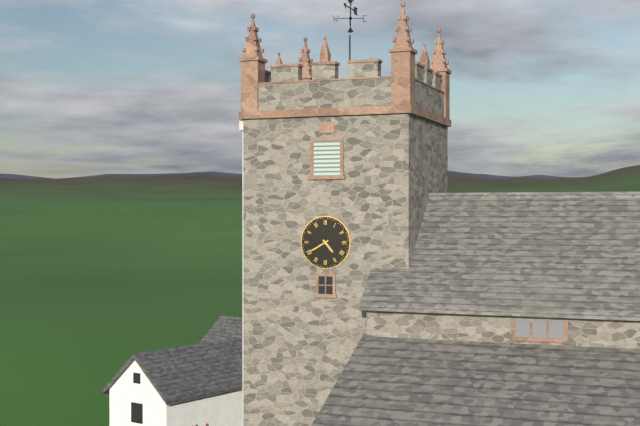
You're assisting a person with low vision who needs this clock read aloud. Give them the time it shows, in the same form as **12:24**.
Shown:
**4:40**
